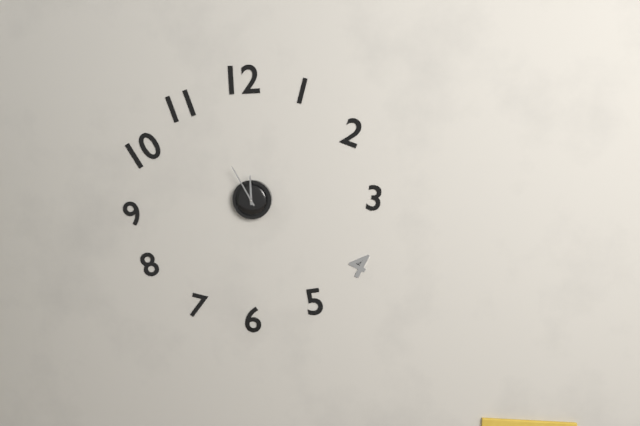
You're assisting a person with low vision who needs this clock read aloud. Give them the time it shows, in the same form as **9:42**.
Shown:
**11:55**
